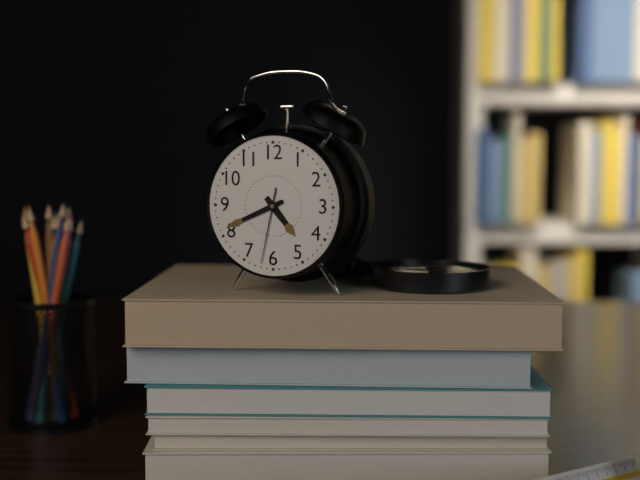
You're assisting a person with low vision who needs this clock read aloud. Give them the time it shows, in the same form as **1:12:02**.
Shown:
**4:41:32**
